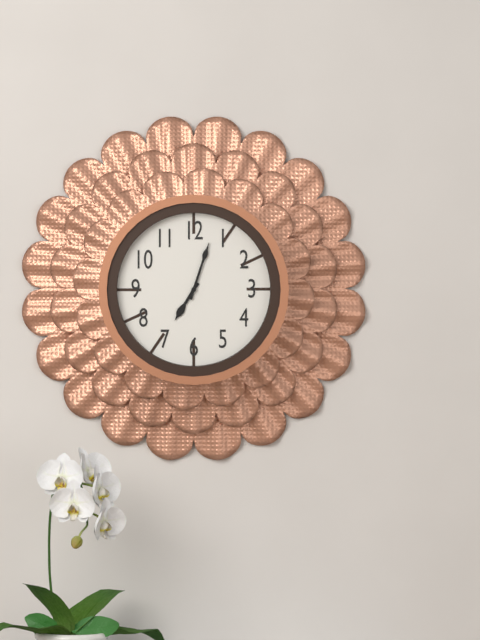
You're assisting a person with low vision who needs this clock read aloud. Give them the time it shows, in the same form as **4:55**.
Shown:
**7:03**
